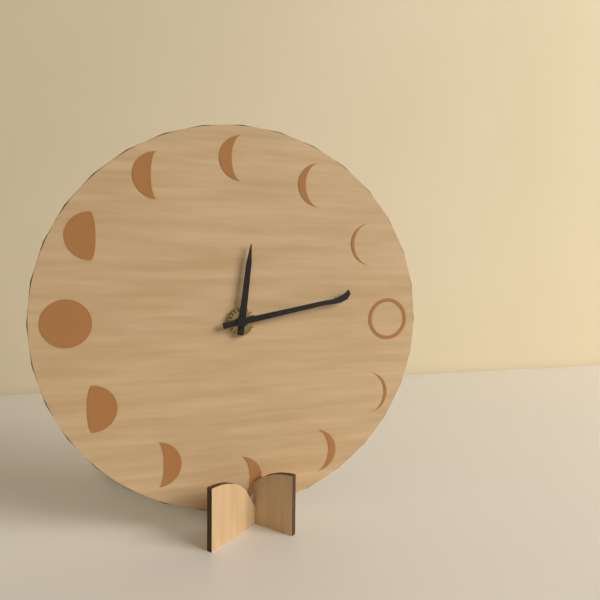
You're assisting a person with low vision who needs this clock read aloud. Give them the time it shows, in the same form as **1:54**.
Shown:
**12:13**
